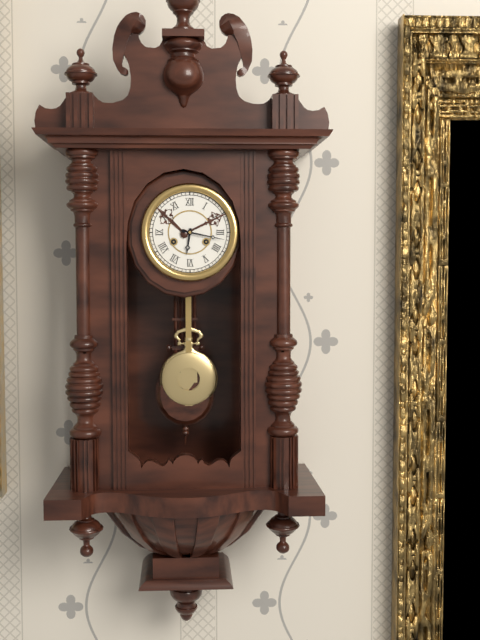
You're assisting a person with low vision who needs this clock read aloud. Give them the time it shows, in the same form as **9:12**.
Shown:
**6:17**
